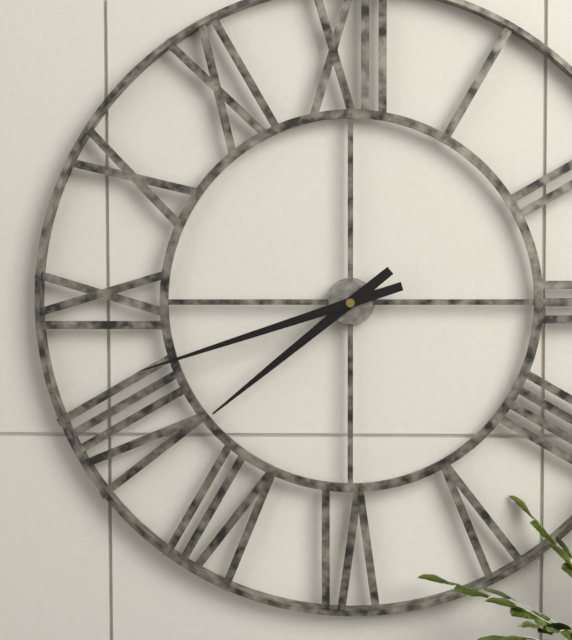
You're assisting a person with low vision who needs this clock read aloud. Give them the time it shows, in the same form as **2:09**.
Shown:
**7:42**
